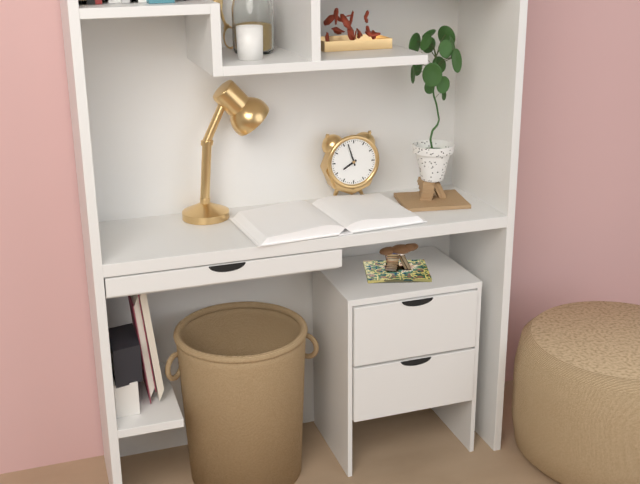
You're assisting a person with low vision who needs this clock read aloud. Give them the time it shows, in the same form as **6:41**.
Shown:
**7:57**
